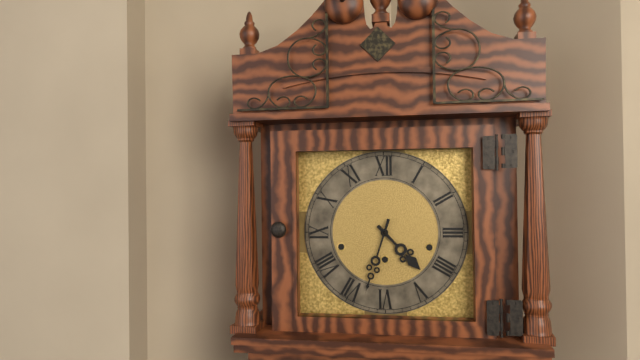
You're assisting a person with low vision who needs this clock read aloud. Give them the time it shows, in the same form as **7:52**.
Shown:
**4:33**
